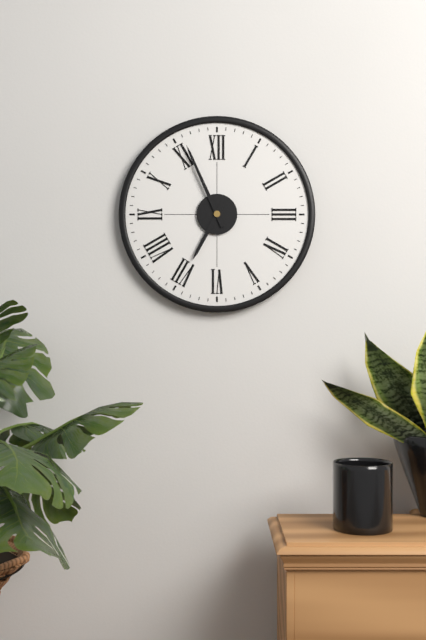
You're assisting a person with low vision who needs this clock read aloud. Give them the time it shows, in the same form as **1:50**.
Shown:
**6:56**
